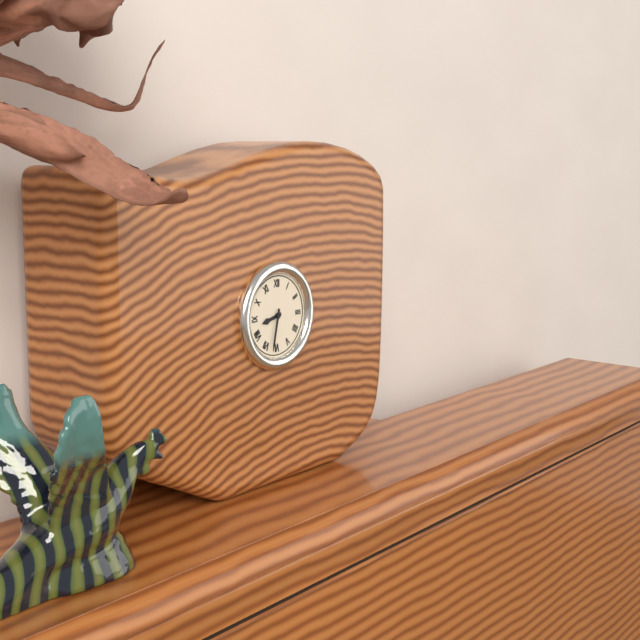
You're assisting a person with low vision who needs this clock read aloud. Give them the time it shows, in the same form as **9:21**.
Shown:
**8:32**
